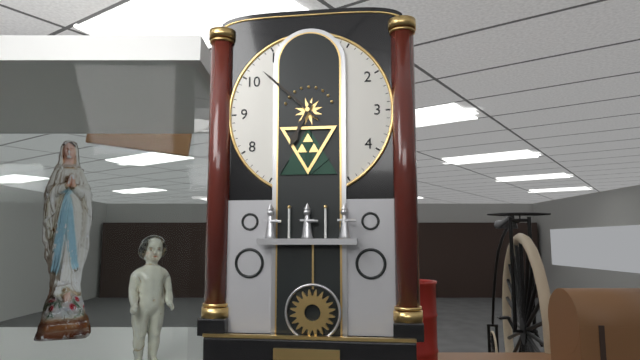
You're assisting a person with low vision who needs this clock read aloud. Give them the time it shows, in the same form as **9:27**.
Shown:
**6:52**
